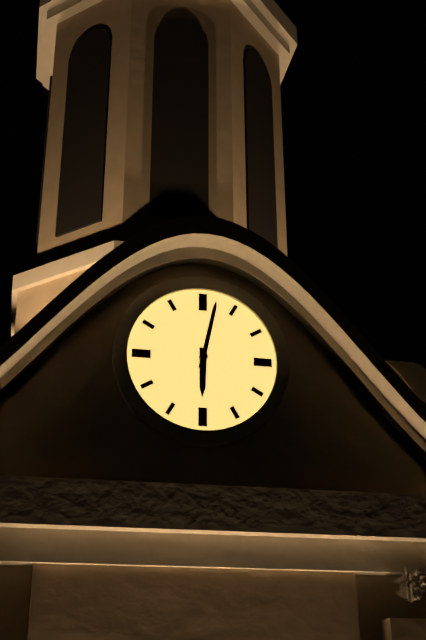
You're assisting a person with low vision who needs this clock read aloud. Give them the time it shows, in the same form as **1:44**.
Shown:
**6:02**
